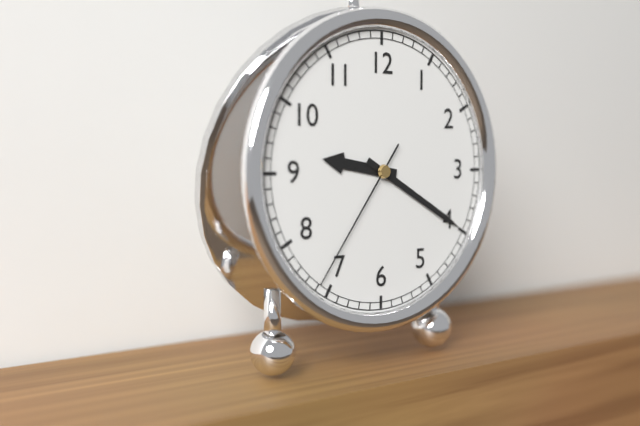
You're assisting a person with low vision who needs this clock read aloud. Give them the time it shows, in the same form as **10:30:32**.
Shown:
**9:20:36**
